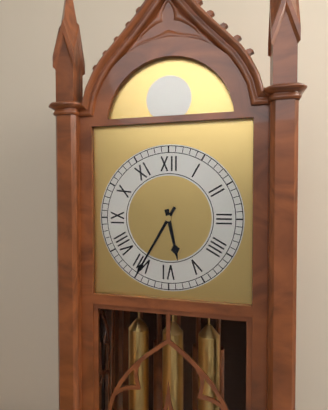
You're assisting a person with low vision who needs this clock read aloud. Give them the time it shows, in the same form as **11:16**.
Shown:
**5:35**
